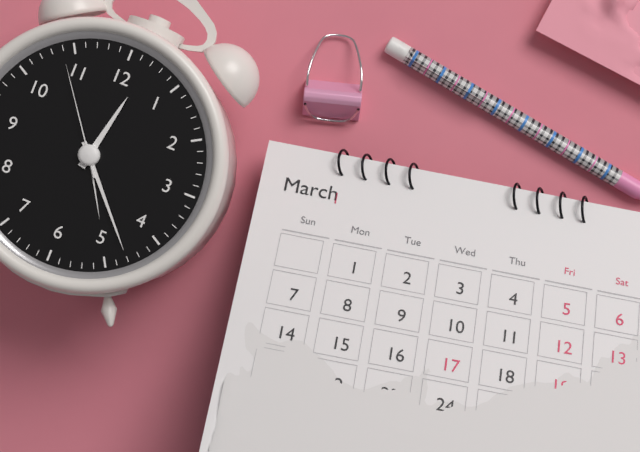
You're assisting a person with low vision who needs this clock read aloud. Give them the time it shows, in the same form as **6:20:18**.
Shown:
**12:23:54**
